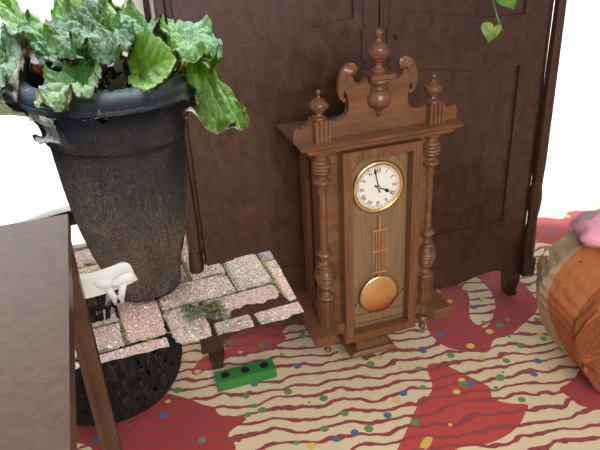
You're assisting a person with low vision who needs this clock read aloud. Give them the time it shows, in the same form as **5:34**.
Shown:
**3:58**
